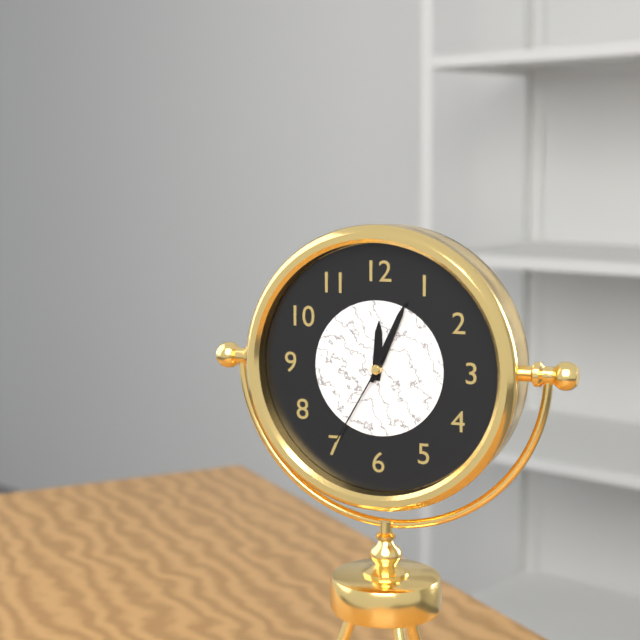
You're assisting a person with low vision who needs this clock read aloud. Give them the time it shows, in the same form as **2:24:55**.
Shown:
**12:04:35**
